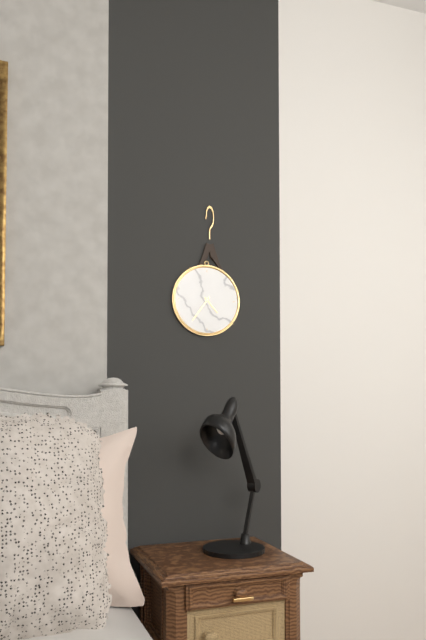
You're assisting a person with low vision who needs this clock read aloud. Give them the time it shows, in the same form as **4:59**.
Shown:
**4:36**
